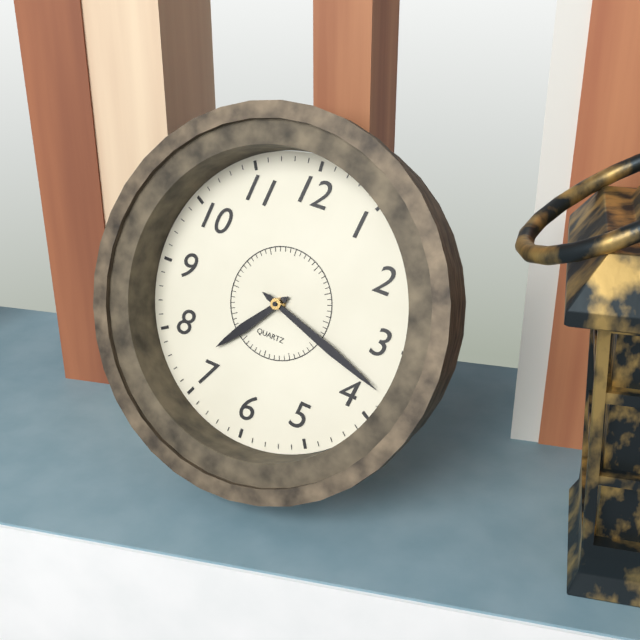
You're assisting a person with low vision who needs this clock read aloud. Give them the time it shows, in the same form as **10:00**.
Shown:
**7:18**
